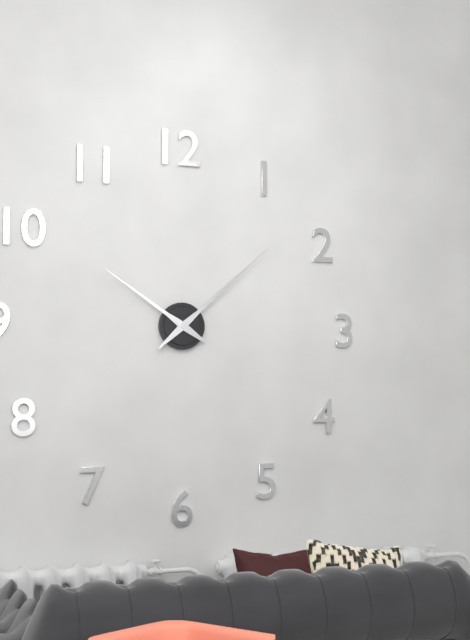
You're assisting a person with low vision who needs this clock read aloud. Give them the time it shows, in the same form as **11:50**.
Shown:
**10:08**
